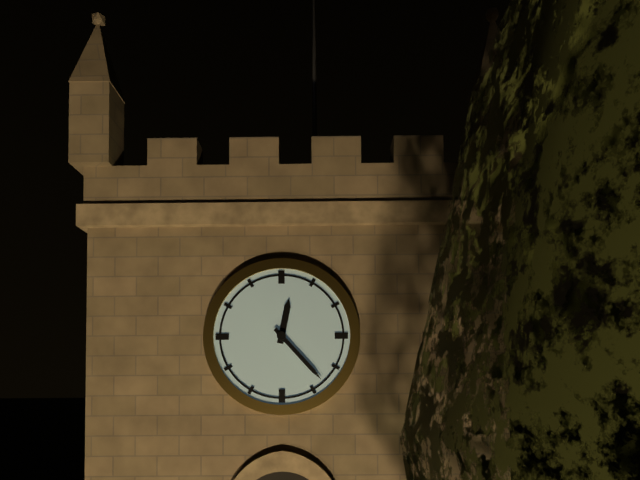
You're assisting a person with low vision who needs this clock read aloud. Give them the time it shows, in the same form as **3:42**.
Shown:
**12:23**
